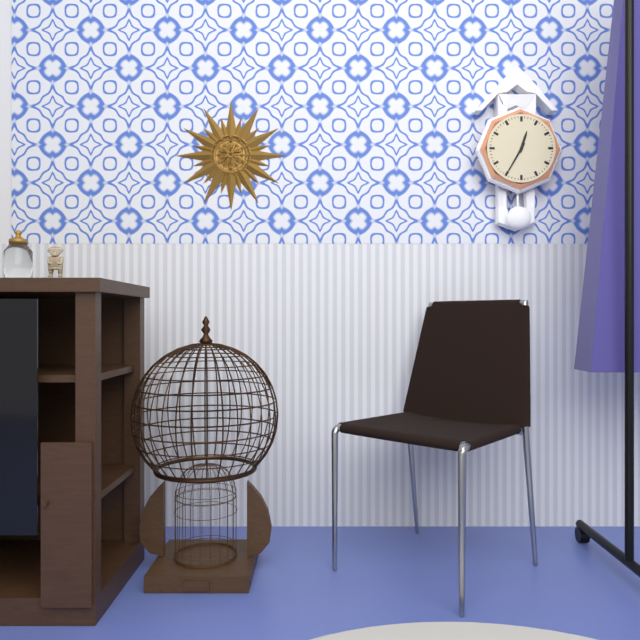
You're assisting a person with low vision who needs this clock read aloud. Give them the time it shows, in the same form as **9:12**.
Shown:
**12:35**
